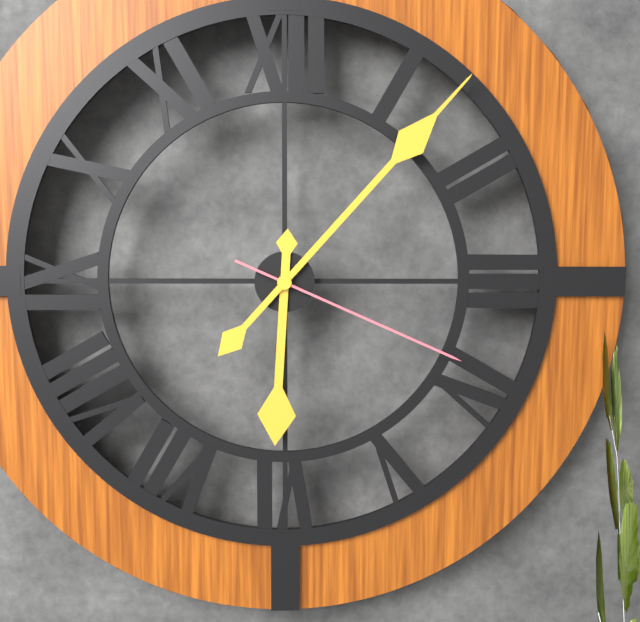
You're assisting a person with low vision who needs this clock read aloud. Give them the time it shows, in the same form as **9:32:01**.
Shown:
**6:07:19**
